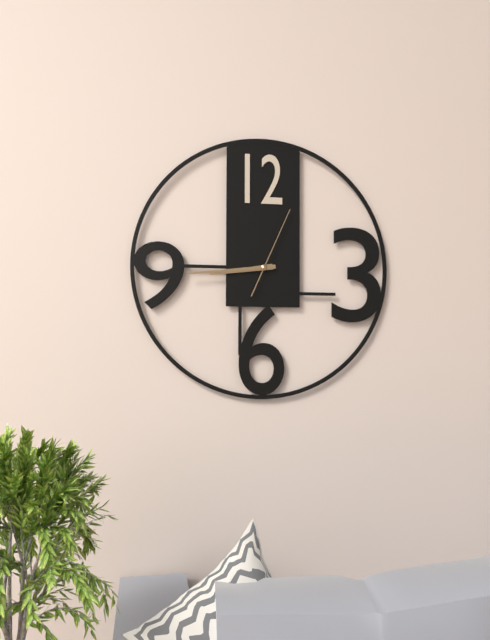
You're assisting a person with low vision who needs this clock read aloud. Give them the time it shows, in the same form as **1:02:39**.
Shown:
**8:44:04**
